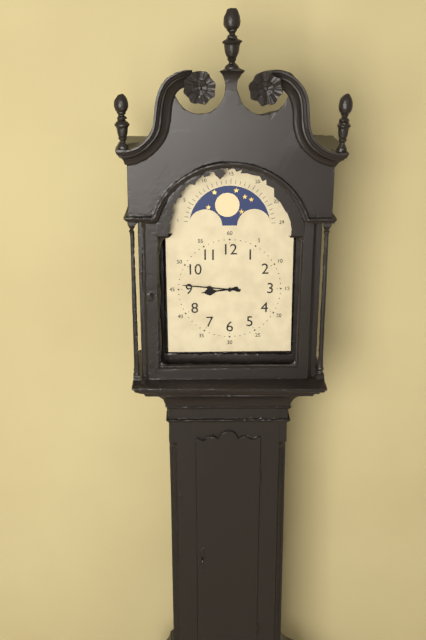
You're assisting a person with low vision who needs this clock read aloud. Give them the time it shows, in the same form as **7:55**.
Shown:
**8:46**
